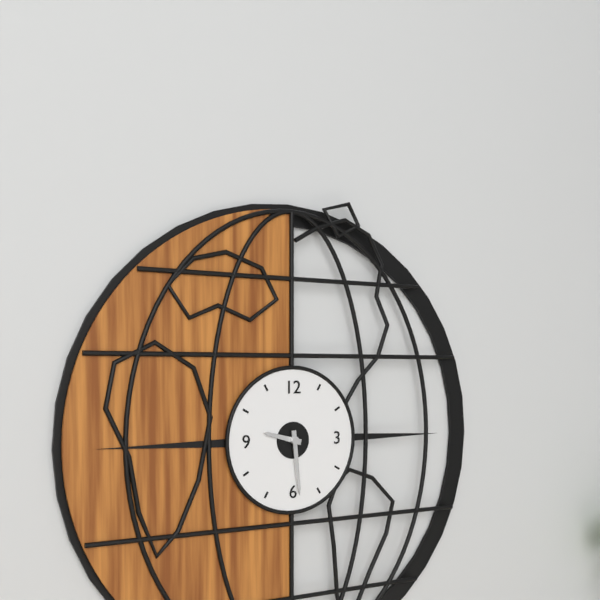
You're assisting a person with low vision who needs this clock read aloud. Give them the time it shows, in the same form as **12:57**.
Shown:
**9:29**
